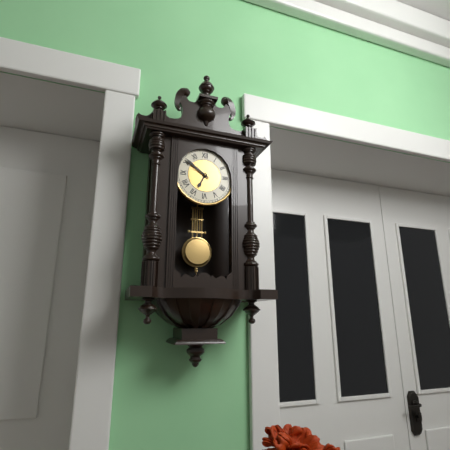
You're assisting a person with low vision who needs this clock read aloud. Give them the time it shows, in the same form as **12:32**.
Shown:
**6:51**
